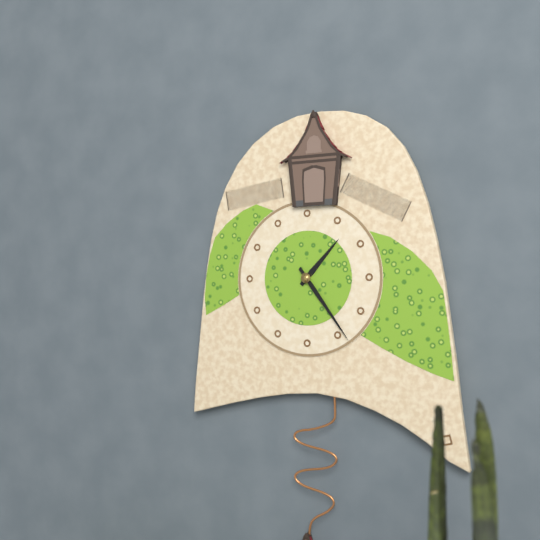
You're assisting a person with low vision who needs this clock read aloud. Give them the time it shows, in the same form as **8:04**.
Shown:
**1:24**
